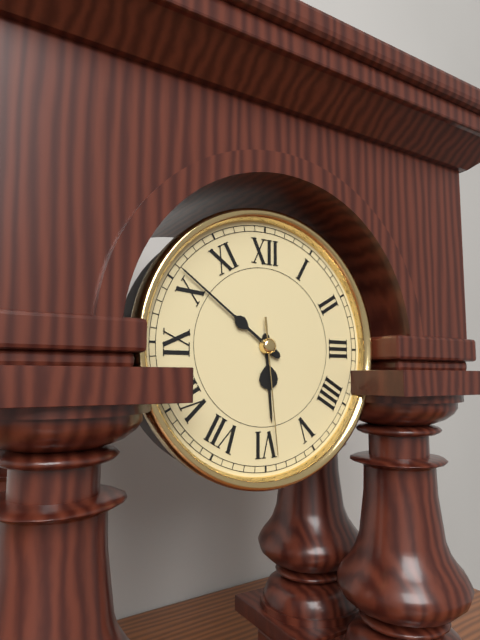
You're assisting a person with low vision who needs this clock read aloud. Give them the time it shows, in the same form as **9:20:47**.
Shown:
**5:51:29**
